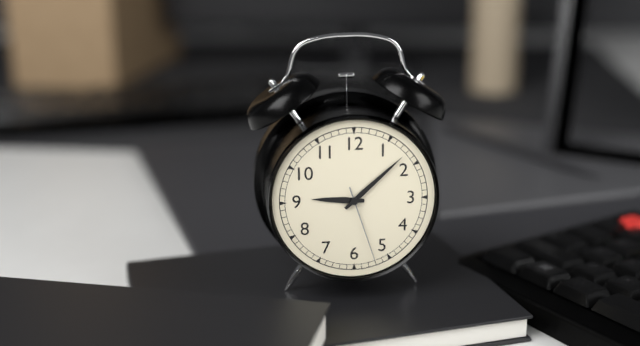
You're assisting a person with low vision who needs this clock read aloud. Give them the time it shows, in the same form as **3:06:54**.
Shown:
**9:08:27**
